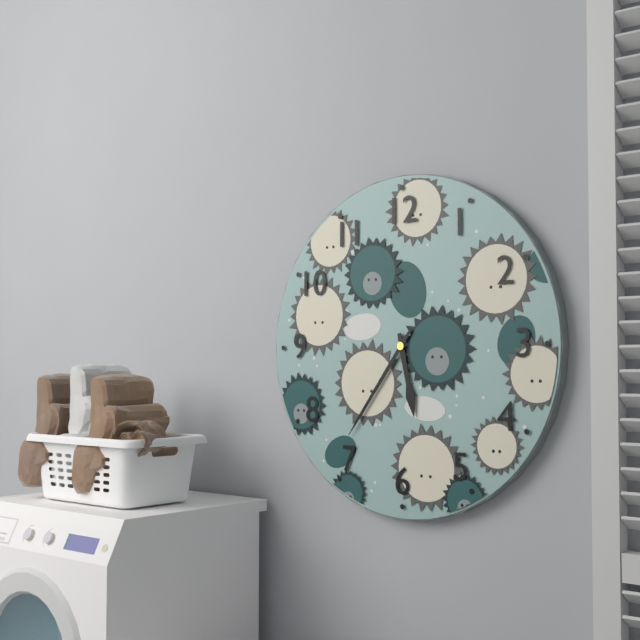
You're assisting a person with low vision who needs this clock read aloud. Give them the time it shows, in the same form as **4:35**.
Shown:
**5:36**
